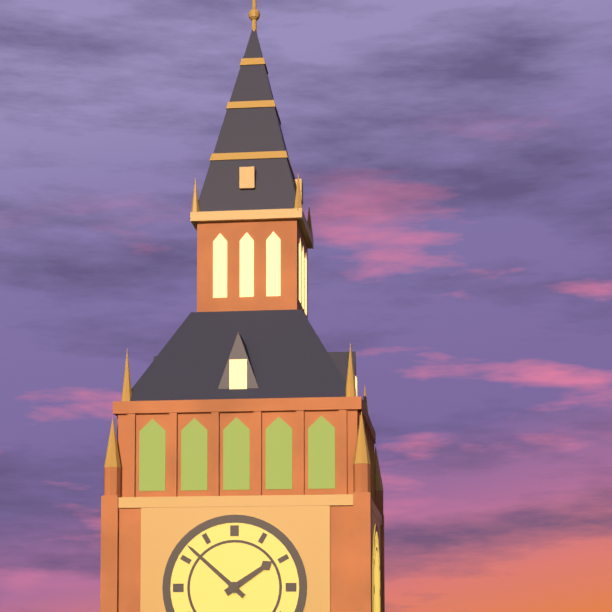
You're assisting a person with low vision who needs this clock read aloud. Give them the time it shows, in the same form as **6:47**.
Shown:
**1:52**
